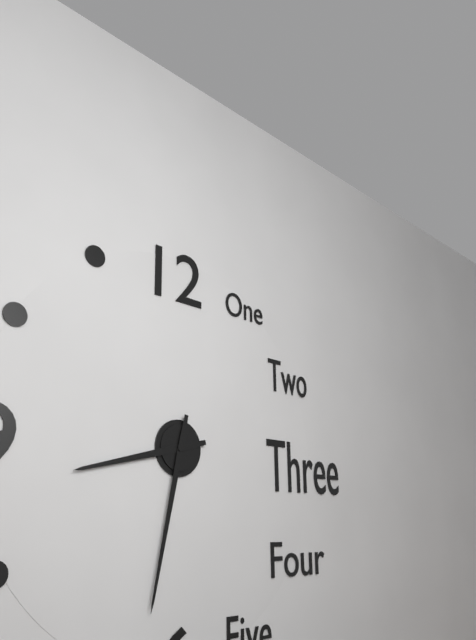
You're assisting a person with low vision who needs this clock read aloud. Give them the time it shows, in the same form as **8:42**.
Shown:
**8:32**
